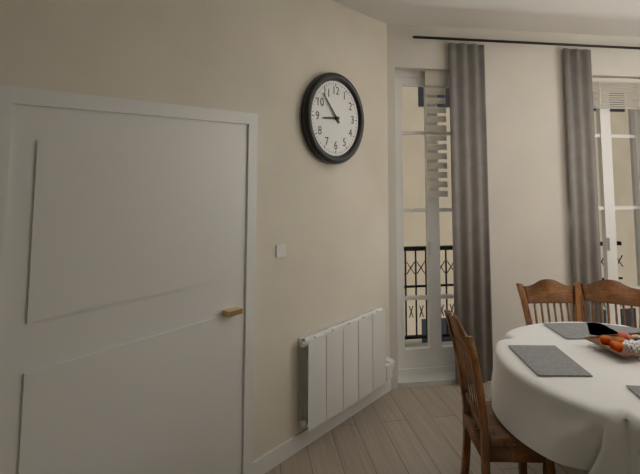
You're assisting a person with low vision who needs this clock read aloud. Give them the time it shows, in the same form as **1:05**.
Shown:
**8:53**
